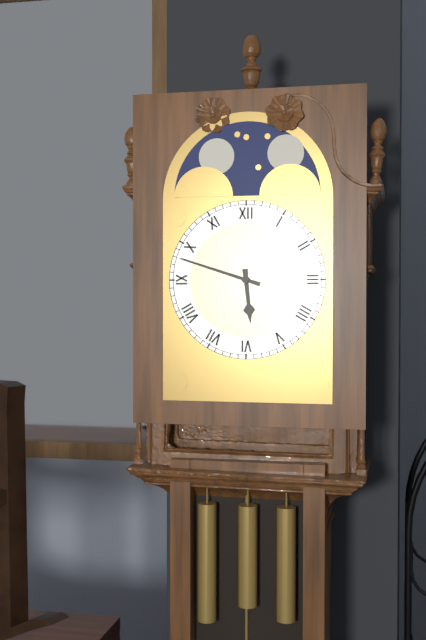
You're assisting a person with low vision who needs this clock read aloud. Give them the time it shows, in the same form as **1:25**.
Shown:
**5:48**
